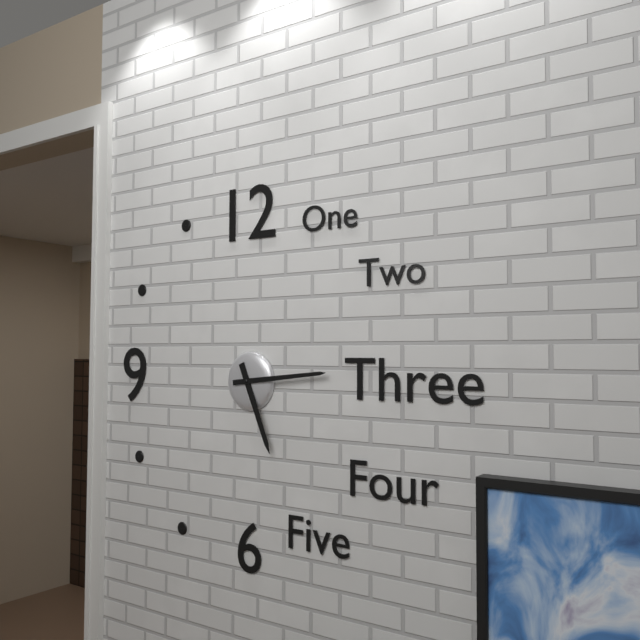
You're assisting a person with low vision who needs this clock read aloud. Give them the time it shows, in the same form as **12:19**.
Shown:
**5:14**
